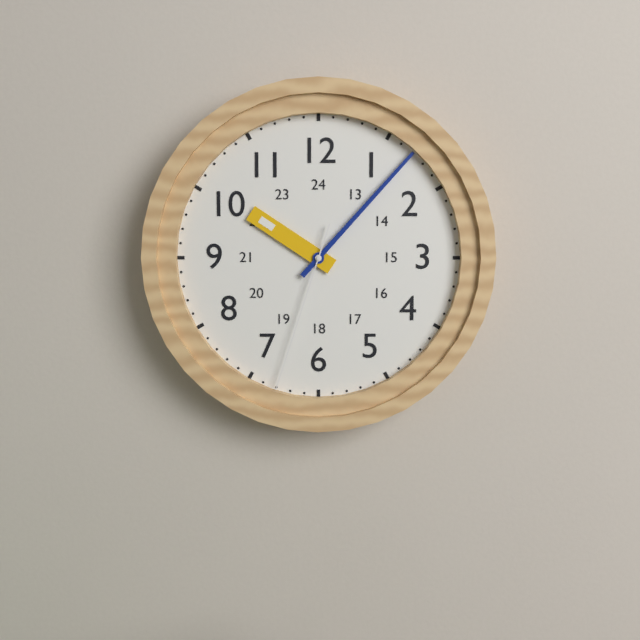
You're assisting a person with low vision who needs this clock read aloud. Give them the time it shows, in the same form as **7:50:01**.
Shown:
**10:07:33**
